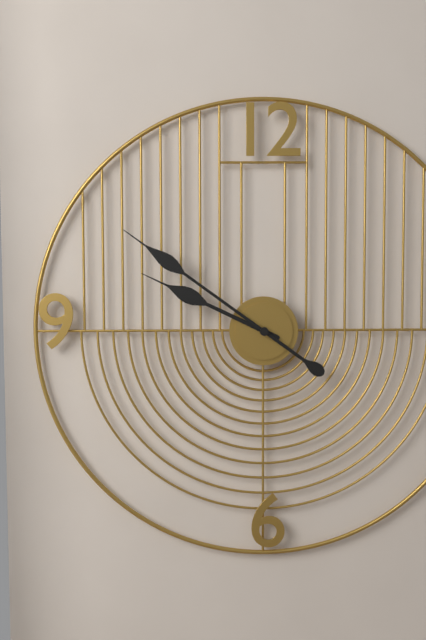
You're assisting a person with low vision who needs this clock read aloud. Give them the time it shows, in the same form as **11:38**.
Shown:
**9:51**
